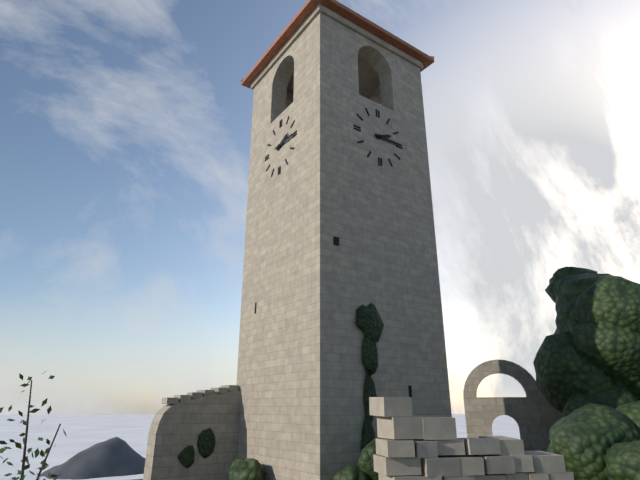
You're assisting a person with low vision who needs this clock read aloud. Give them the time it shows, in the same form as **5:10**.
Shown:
**2:15**
